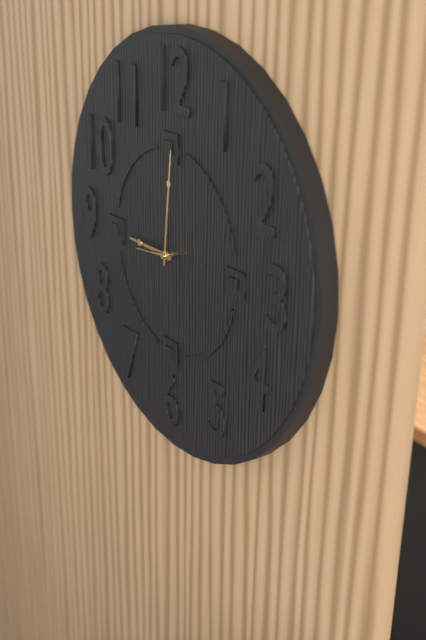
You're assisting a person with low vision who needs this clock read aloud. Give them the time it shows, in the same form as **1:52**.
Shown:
**9:01**
